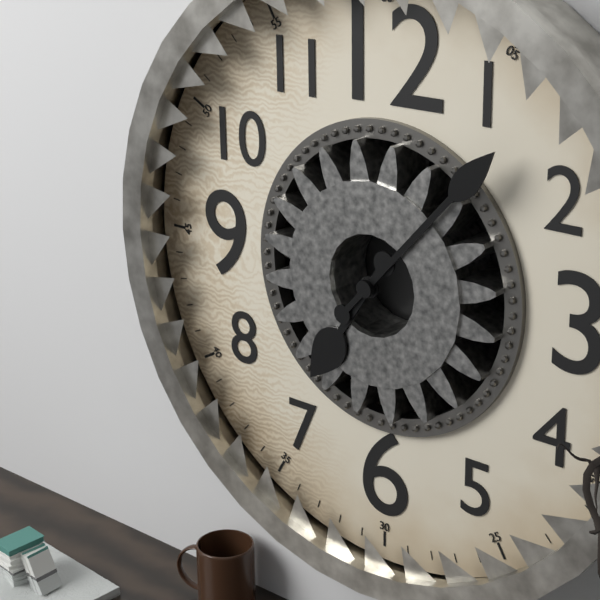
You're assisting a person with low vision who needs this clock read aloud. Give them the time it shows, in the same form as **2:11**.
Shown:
**7:07**
